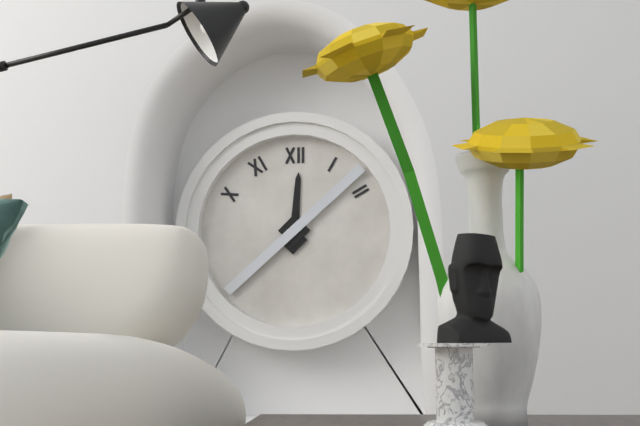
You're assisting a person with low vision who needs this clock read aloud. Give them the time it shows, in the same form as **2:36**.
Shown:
**12:08**
